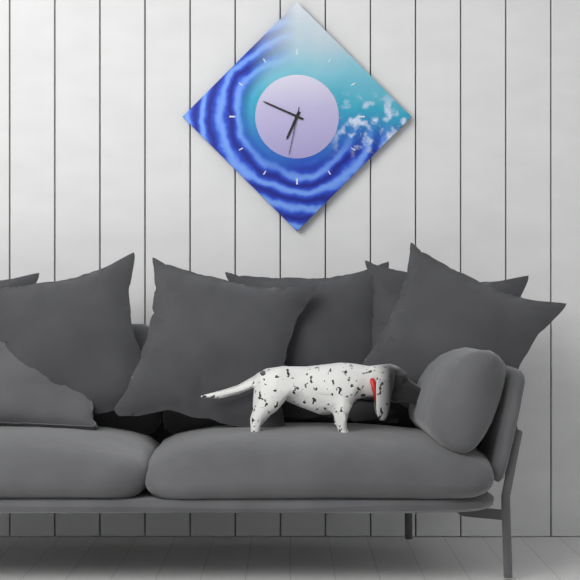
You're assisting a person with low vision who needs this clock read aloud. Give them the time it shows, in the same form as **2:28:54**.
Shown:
**6:49:32**
